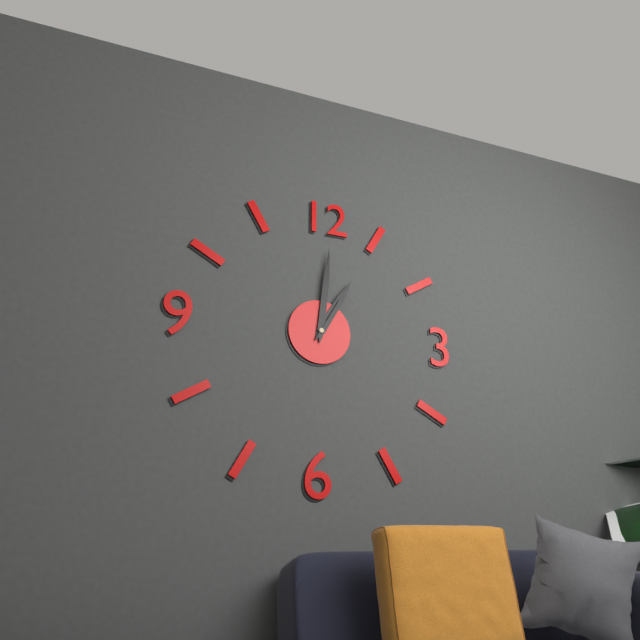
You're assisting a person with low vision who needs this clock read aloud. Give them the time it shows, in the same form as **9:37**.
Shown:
**1:01**
